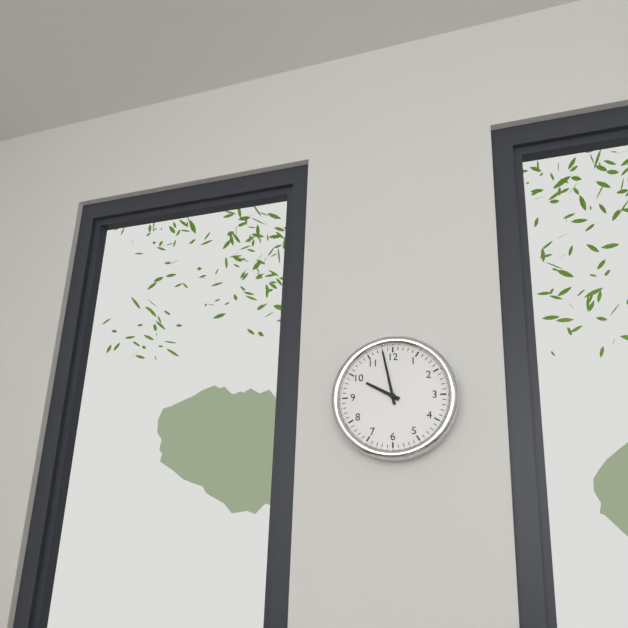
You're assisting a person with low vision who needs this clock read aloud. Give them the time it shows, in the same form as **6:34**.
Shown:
**9:58**
